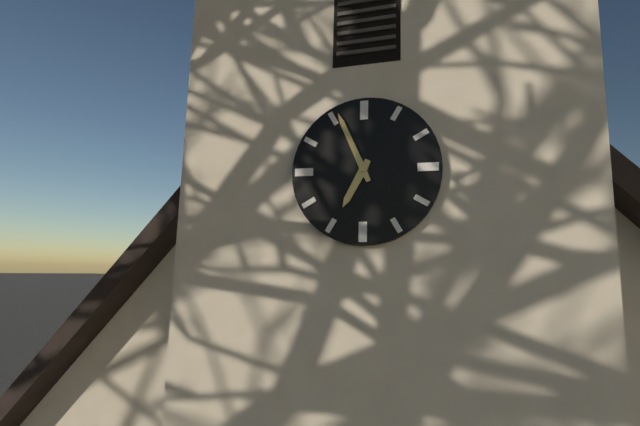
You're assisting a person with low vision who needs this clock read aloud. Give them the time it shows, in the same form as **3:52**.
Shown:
**6:56**
